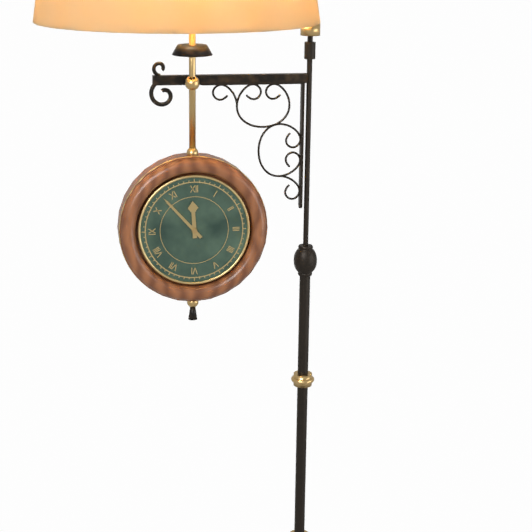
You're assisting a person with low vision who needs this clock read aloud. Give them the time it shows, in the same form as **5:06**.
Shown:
**11:53**
